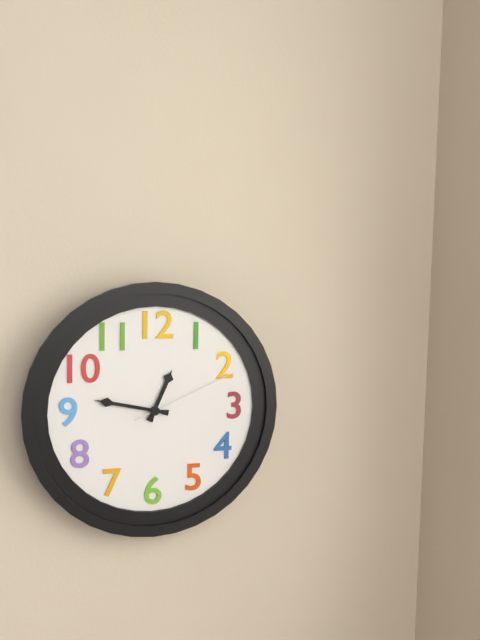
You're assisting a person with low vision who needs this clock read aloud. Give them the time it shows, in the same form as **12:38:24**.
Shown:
**12:47:11**
